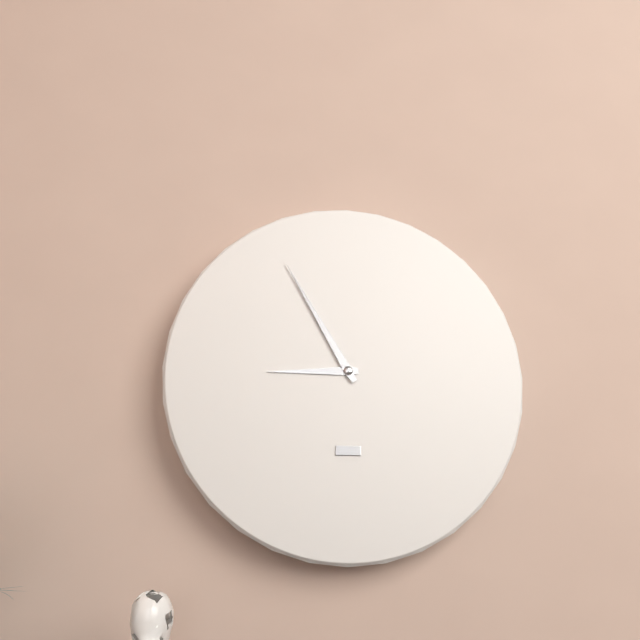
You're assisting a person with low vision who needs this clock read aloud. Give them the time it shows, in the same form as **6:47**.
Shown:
**8:55**
